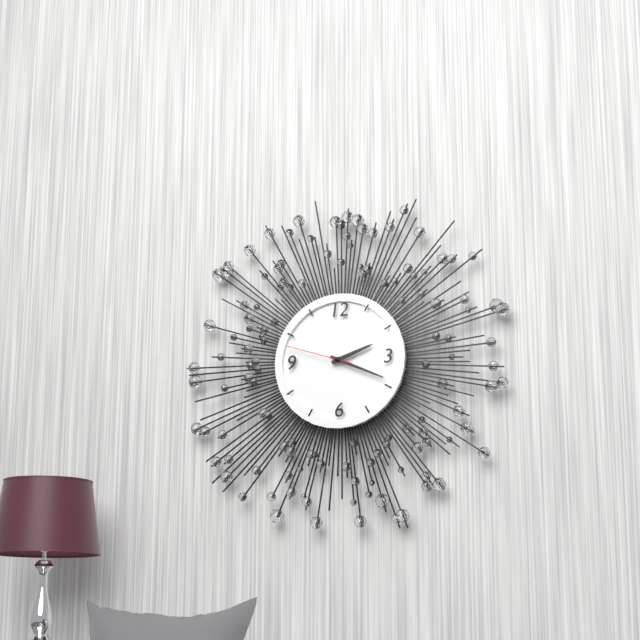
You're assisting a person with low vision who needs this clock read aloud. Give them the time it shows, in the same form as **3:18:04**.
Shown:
**2:19:48**
